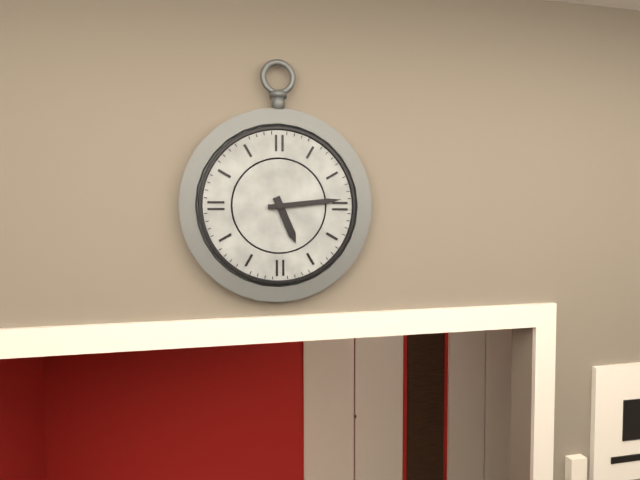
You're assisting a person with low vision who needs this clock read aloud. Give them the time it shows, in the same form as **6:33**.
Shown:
**5:14**
